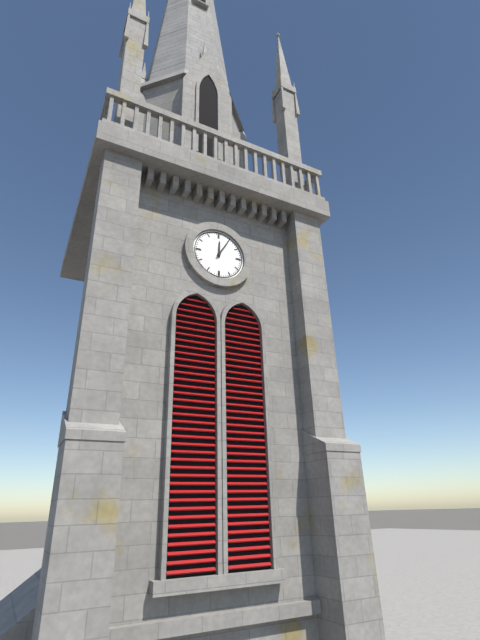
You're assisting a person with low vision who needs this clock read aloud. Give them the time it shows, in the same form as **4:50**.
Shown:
**12:05**
